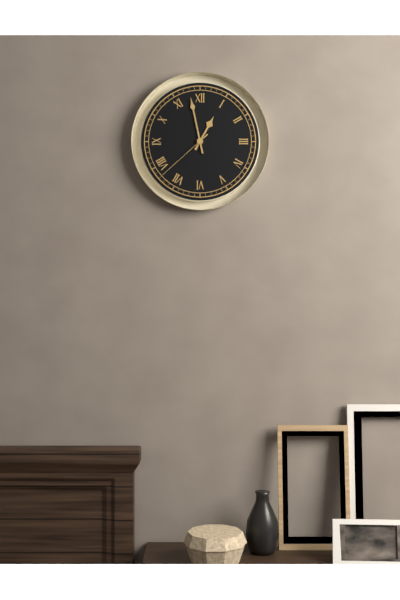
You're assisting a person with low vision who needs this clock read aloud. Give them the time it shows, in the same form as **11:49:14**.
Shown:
**12:58:38**
